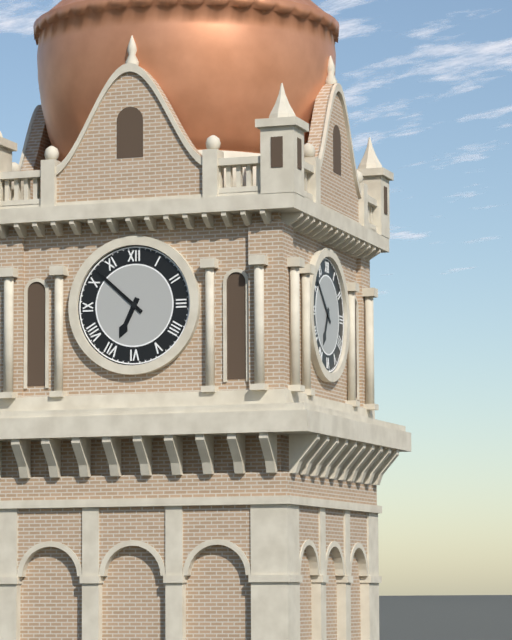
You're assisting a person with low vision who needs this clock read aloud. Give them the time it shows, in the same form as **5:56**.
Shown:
**6:52**
